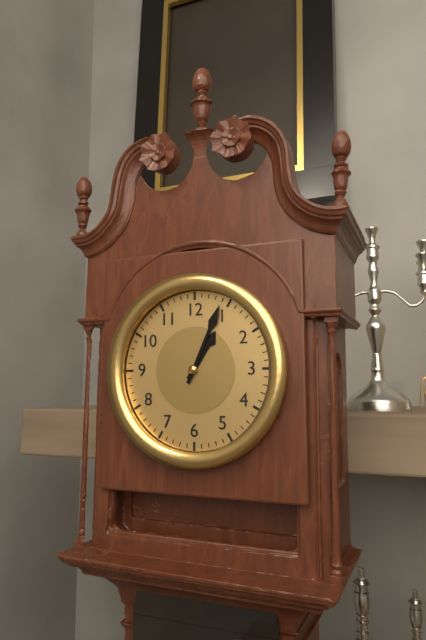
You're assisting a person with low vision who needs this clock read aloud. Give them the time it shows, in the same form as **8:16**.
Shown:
**1:04**
